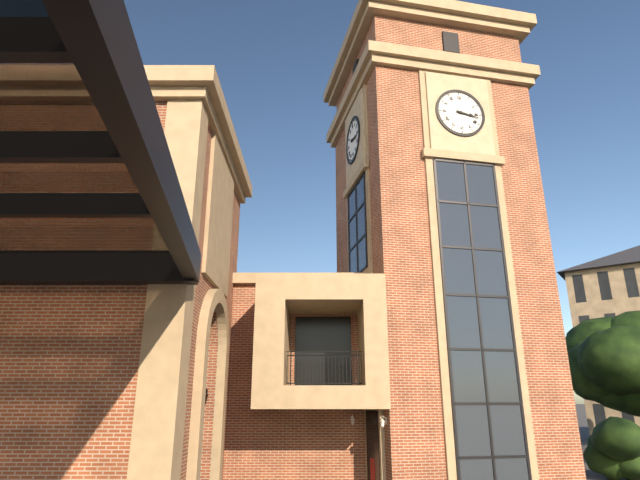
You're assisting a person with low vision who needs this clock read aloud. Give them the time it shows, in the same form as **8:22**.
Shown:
**3:17**
